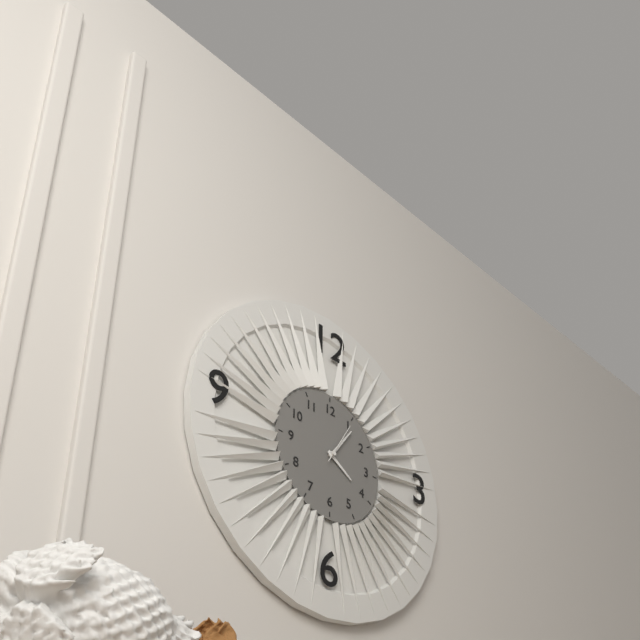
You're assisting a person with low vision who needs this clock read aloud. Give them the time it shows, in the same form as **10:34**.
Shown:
**4:06**
